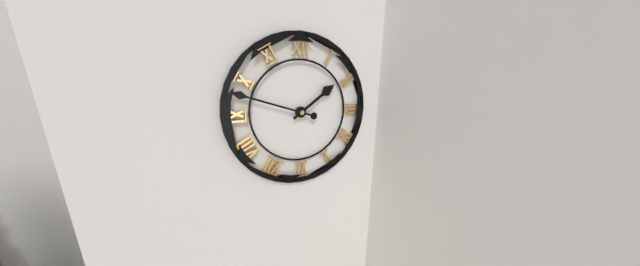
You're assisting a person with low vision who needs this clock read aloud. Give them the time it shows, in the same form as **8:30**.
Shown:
**1:48**
